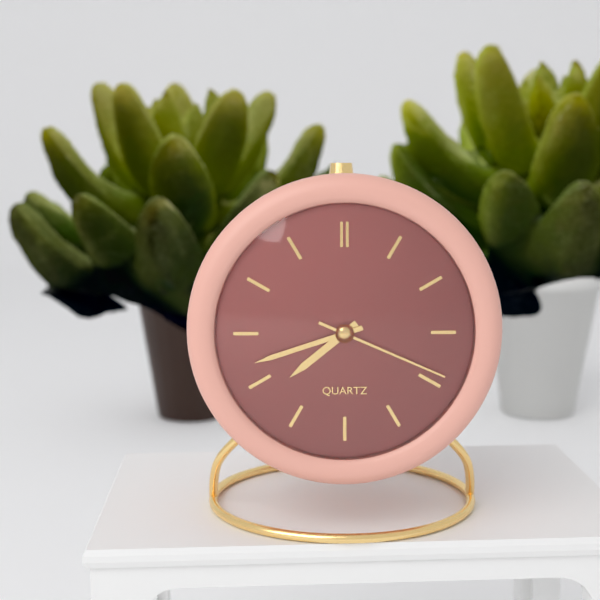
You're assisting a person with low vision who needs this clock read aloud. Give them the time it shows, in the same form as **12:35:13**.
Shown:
**7:42:19**
